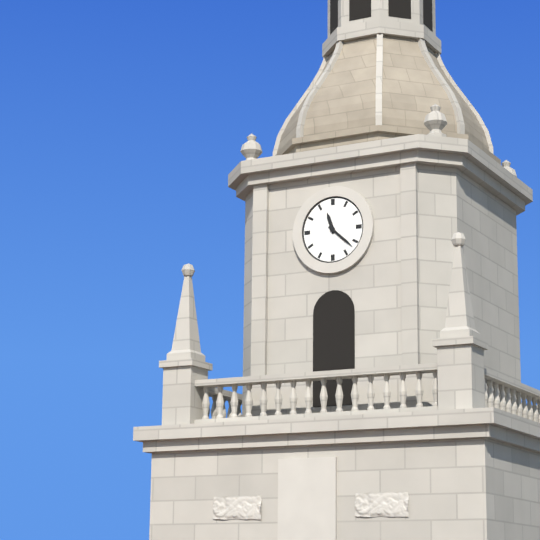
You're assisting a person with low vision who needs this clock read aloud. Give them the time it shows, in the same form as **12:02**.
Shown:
**11:22**
